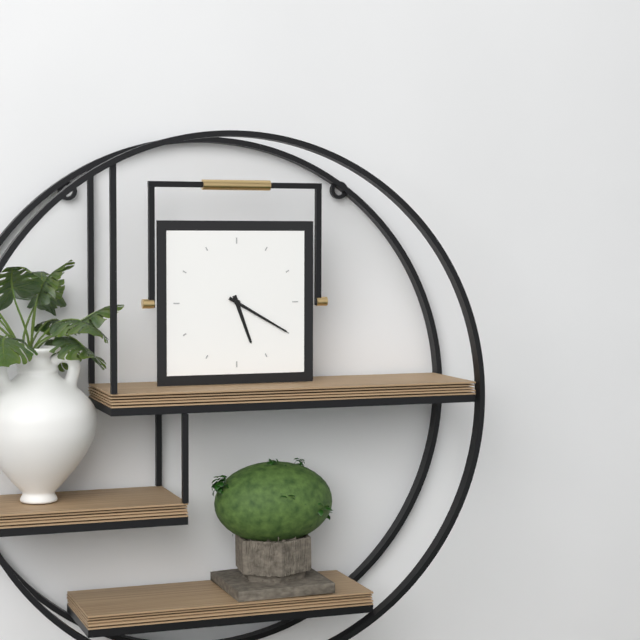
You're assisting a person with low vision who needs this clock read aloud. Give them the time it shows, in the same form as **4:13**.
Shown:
**5:20**
